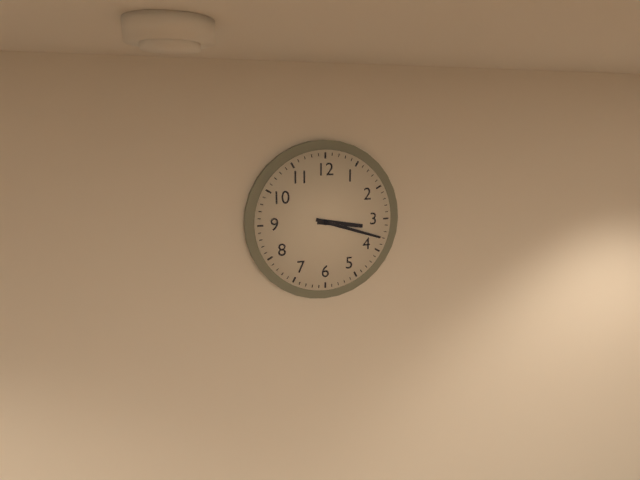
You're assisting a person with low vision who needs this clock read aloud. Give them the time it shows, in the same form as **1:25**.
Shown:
**3:18**
